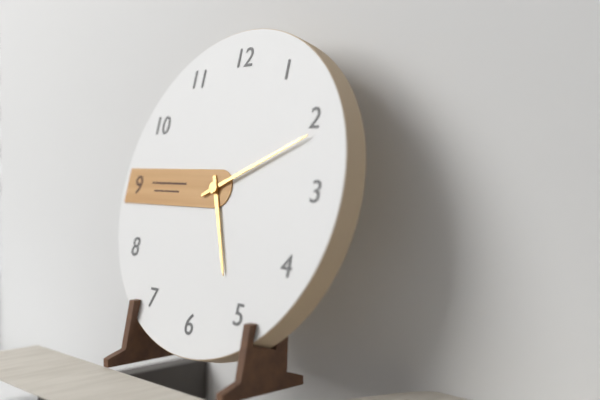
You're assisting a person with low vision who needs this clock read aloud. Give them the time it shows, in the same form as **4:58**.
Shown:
**5:11**
